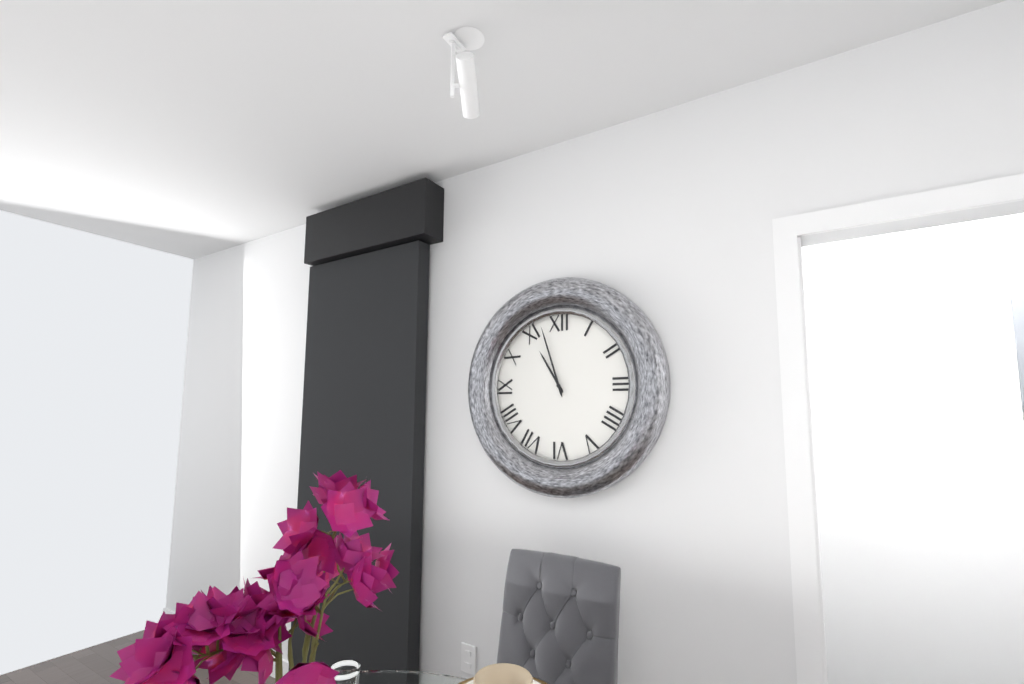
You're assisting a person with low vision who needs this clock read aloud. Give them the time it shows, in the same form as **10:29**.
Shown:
**10:57**
